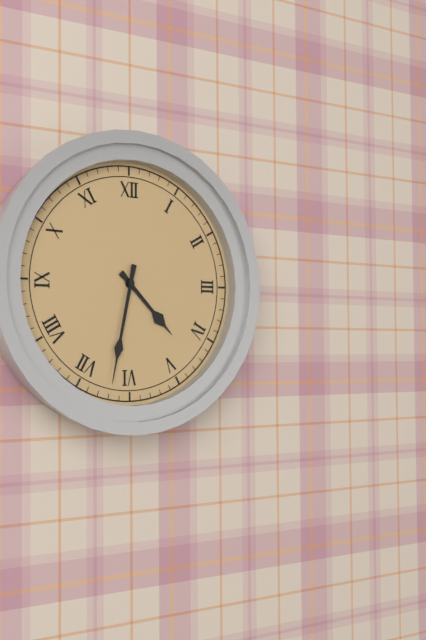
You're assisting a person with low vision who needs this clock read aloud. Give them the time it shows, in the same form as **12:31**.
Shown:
**4:32**
